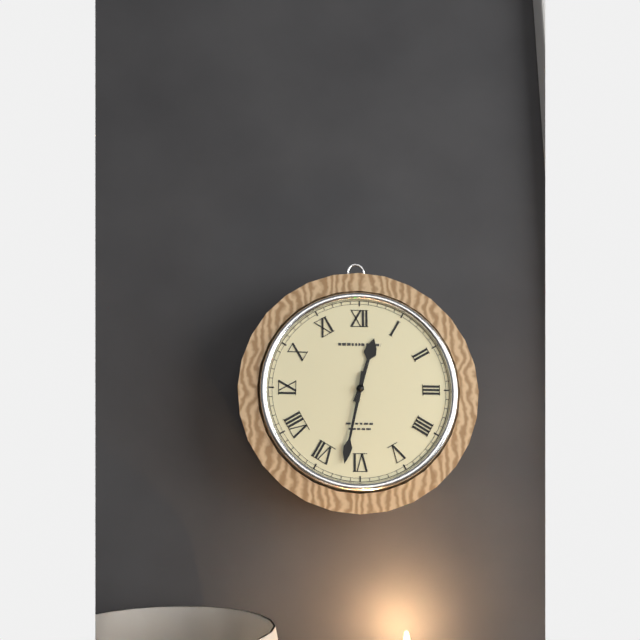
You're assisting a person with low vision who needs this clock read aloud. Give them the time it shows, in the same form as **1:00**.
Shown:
**12:32**
